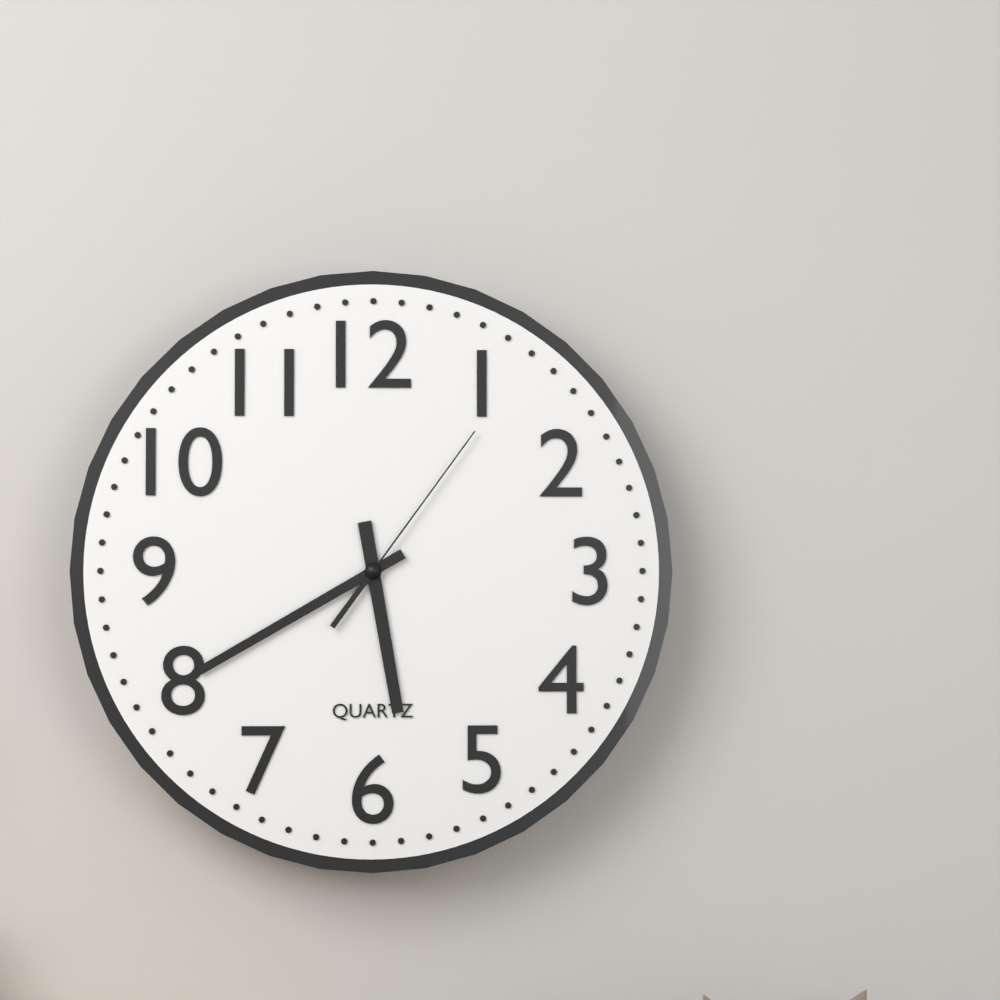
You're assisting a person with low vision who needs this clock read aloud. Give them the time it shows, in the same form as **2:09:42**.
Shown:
**5:40:06**
